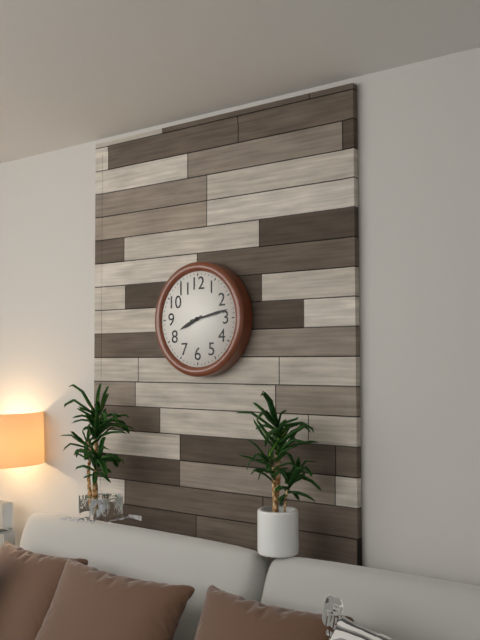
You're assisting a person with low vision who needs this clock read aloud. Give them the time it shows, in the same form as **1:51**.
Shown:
**8:13**
